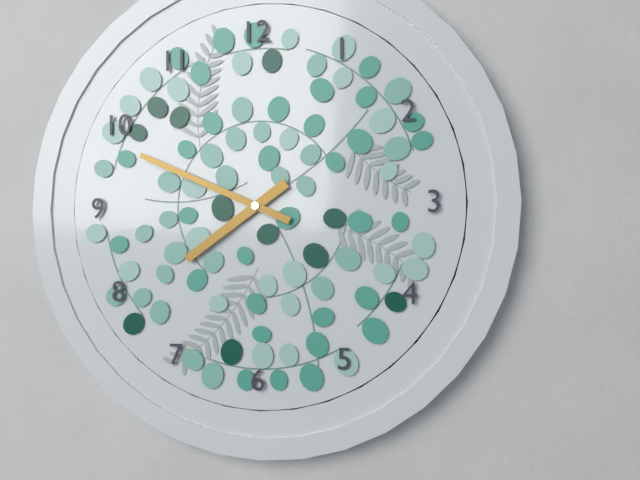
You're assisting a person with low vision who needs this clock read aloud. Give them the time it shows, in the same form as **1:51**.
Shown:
**7:49**
